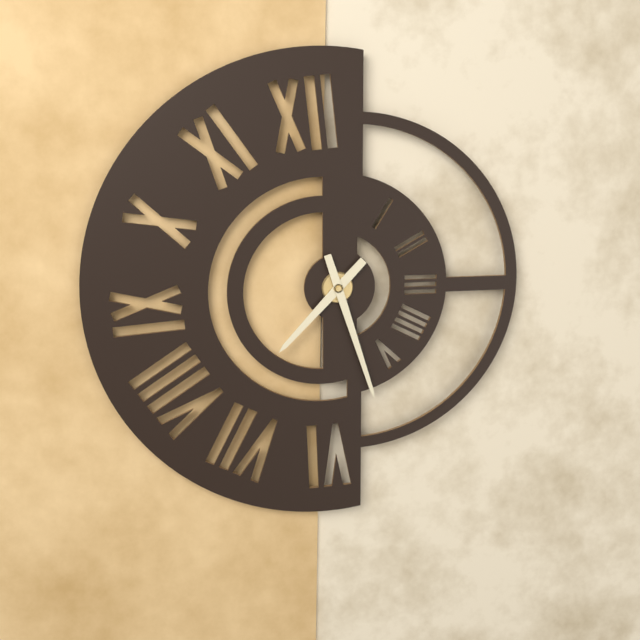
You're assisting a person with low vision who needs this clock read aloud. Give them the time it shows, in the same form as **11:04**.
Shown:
**7:27**
